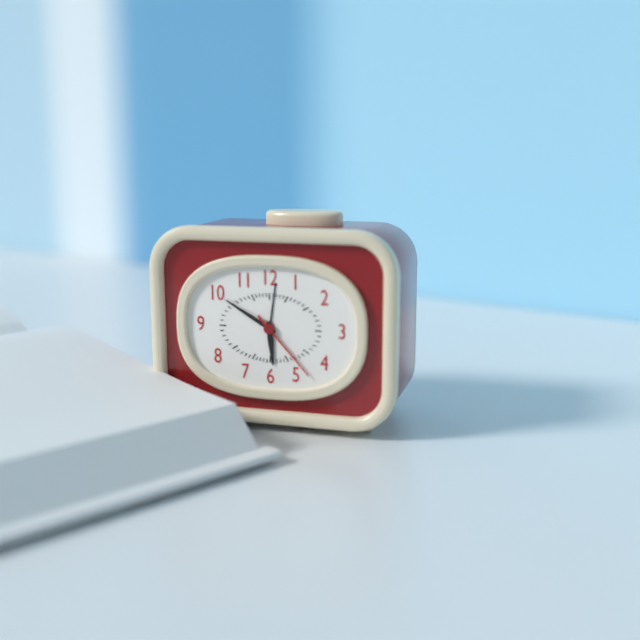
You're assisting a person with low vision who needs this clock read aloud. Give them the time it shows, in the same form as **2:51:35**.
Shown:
**5:50:23**
